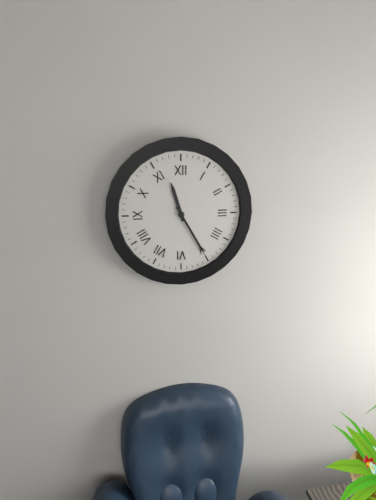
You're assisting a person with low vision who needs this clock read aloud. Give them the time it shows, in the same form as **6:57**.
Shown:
**11:25**
